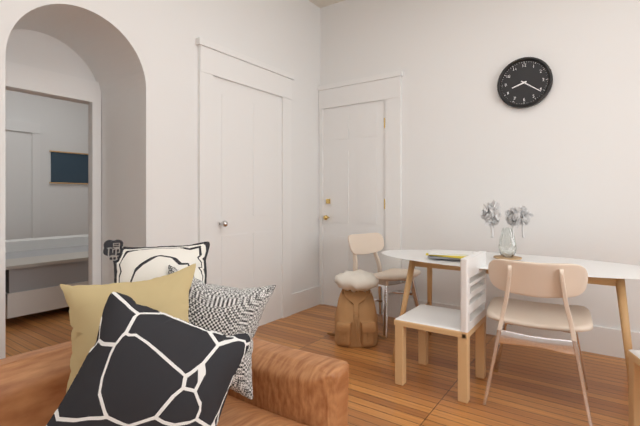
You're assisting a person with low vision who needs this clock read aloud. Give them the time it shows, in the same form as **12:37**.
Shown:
**8:21**
